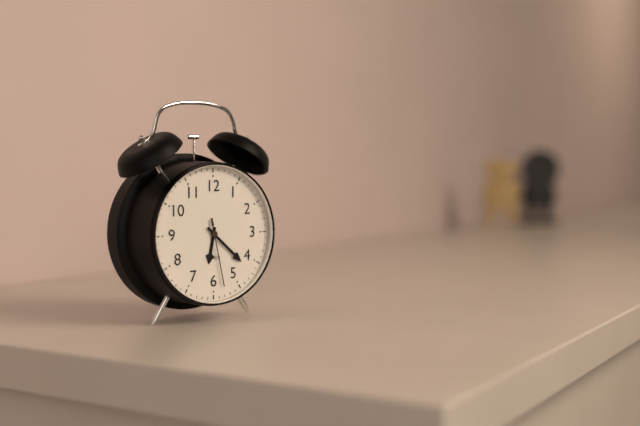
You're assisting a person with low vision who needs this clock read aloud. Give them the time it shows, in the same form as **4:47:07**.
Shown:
**6:22:28**
